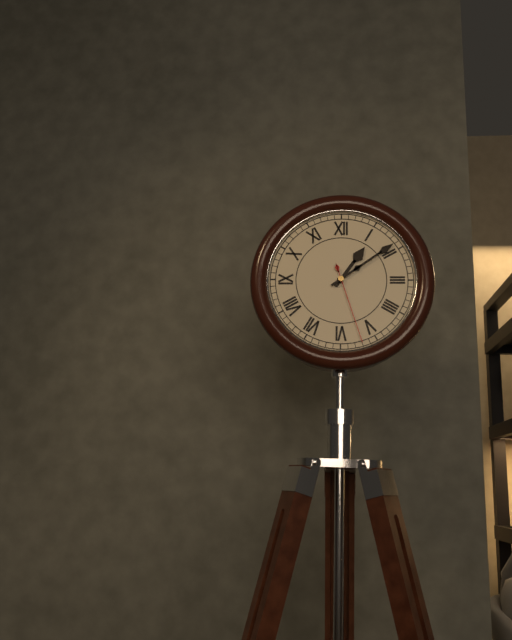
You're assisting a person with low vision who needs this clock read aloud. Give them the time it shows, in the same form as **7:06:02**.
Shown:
**1:09:27**
